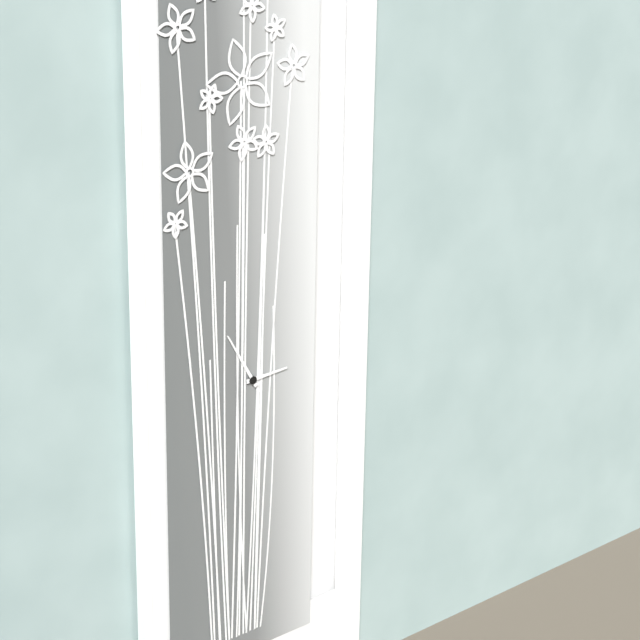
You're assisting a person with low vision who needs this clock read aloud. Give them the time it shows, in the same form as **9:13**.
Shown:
**2:55**
